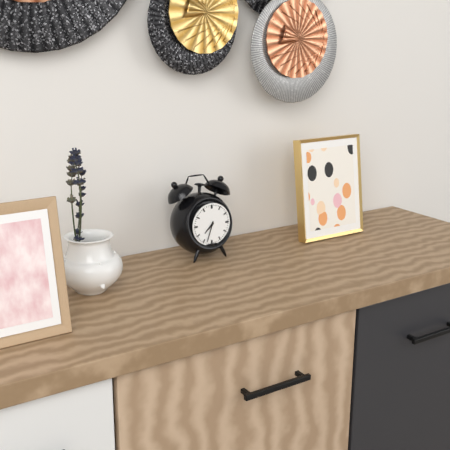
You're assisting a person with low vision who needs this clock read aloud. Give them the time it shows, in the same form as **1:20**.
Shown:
**7:33**
